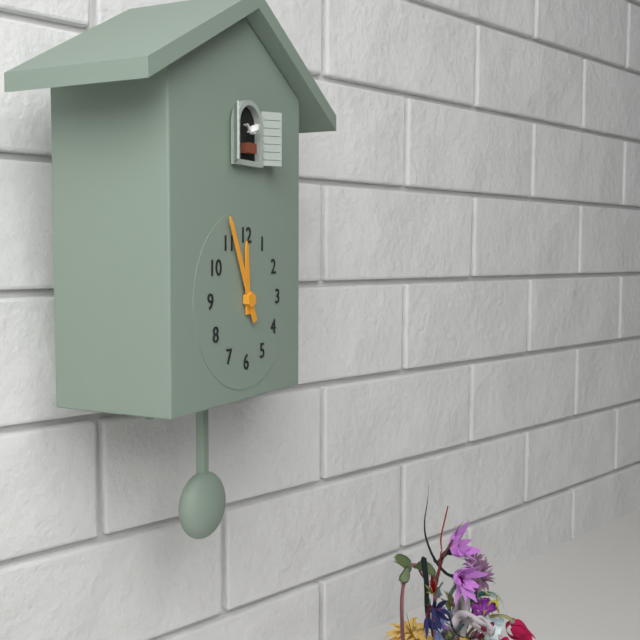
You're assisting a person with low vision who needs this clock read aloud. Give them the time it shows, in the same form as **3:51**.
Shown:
**11:56**
